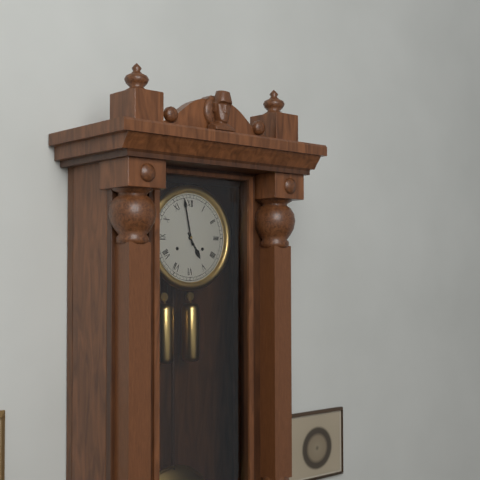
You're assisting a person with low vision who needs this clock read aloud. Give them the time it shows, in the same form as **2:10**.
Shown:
**4:58**
